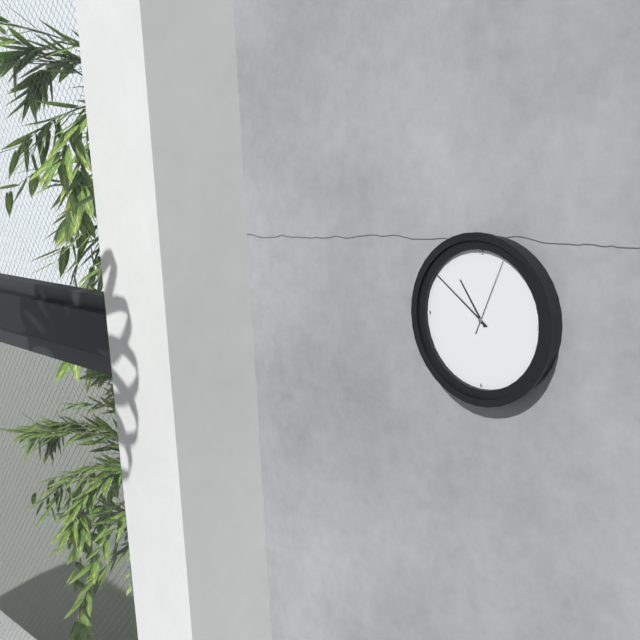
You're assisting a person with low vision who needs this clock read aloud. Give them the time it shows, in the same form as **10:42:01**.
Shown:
**10:51:04**
